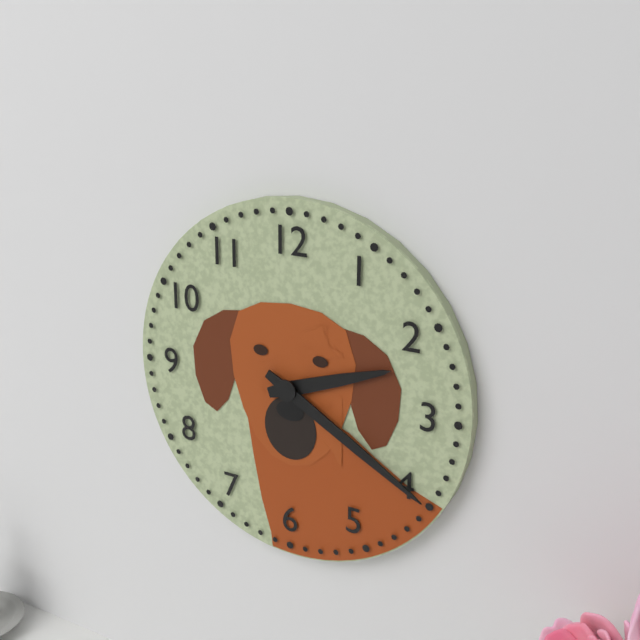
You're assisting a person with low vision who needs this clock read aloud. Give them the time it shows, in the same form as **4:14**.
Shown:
**2:20**
